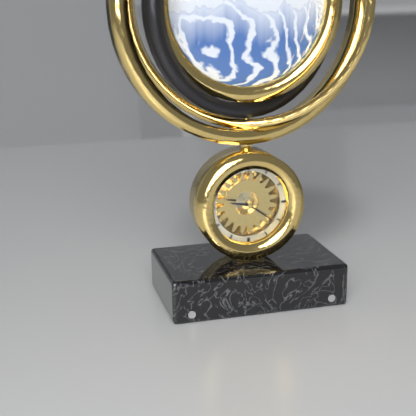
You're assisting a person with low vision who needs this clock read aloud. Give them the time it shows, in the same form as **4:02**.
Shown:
**9:21**
